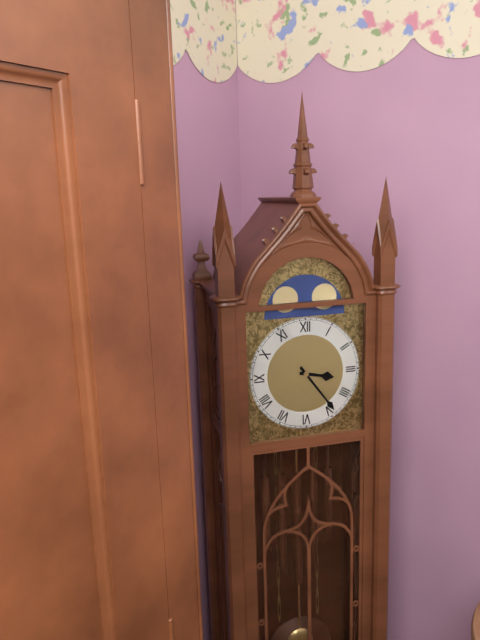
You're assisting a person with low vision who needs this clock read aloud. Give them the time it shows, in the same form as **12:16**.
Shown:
**3:24**
